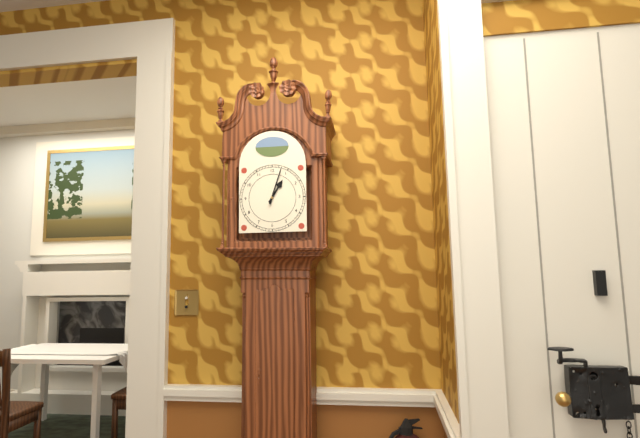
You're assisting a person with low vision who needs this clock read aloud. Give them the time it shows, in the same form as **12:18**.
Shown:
**1:03**
